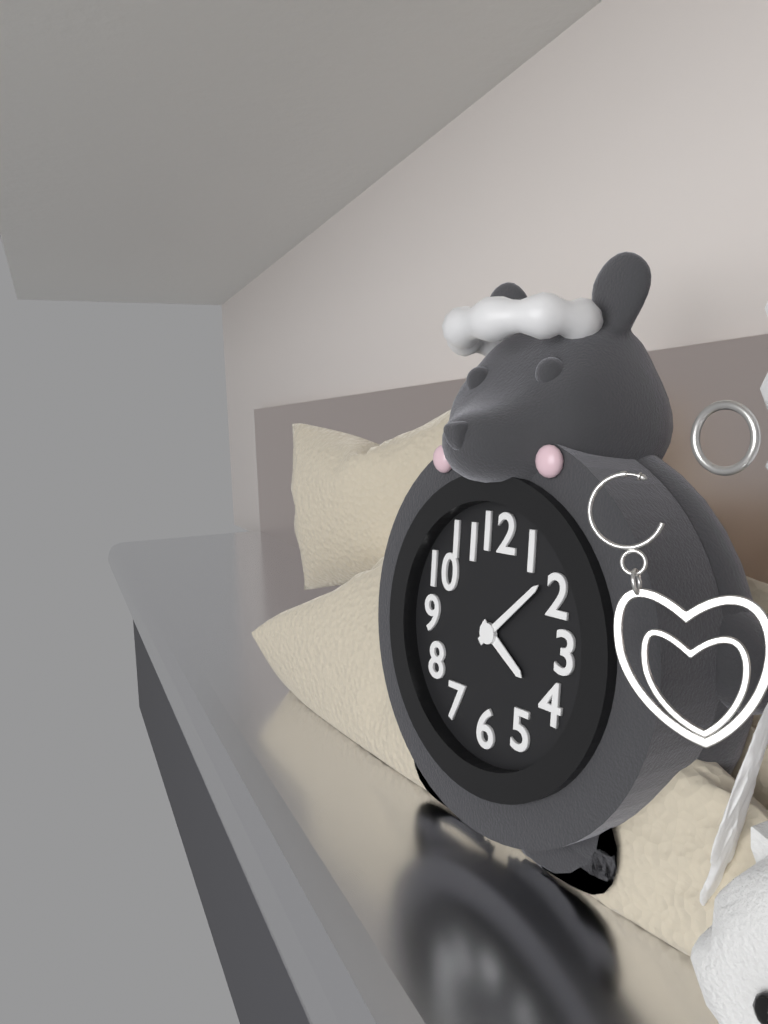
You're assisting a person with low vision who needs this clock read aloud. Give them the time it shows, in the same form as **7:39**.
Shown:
**4:08**
